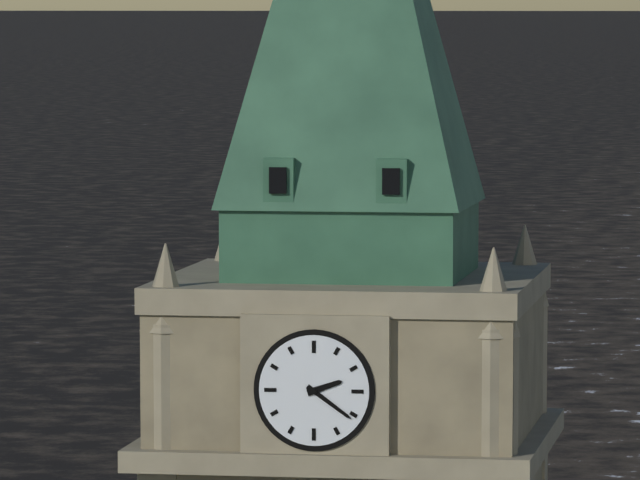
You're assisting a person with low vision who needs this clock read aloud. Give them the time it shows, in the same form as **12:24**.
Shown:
**2:21**
